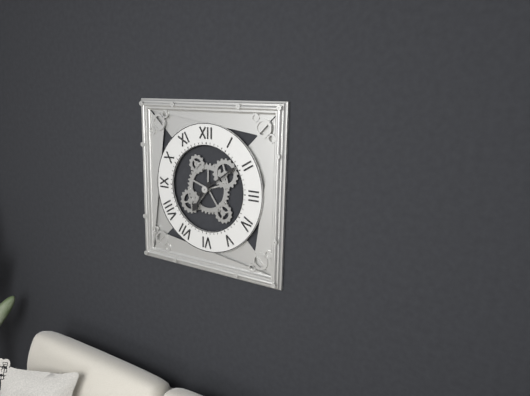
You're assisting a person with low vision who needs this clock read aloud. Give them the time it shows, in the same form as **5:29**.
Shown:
**7:09**
